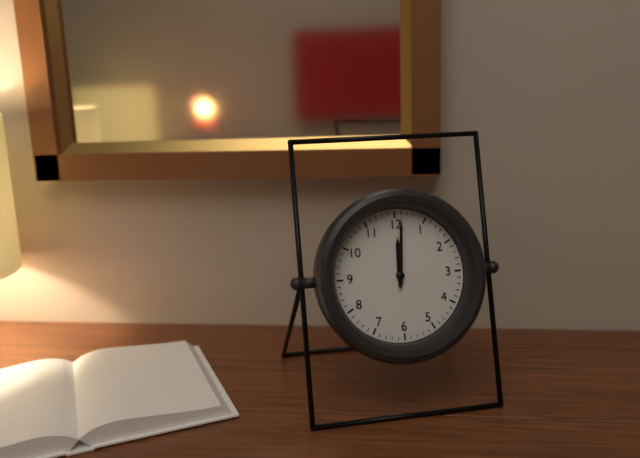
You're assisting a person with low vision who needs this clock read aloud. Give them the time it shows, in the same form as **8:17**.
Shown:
**12:01**
